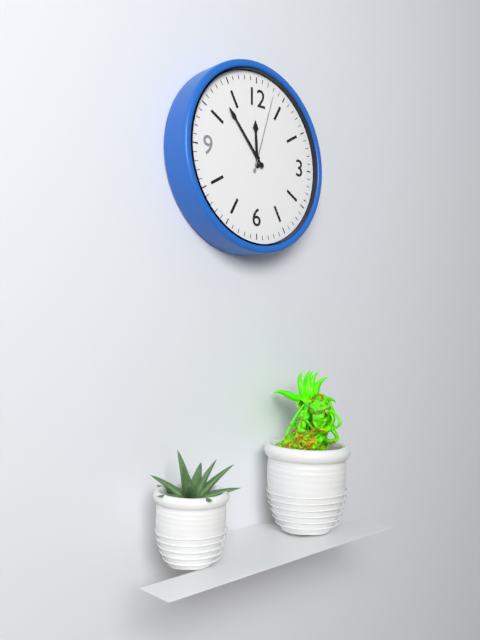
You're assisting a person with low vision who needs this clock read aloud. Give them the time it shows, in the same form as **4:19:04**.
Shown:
**11:53:03**
